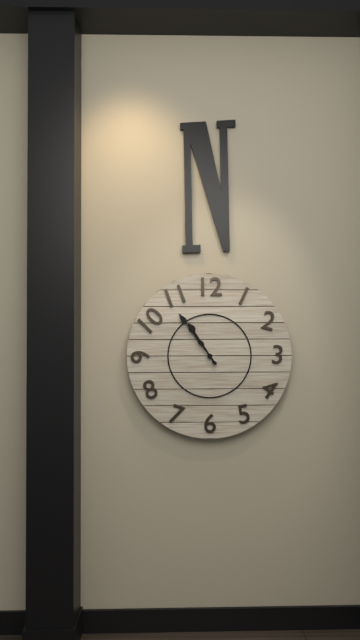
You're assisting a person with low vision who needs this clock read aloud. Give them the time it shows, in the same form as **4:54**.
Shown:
**10:54**
